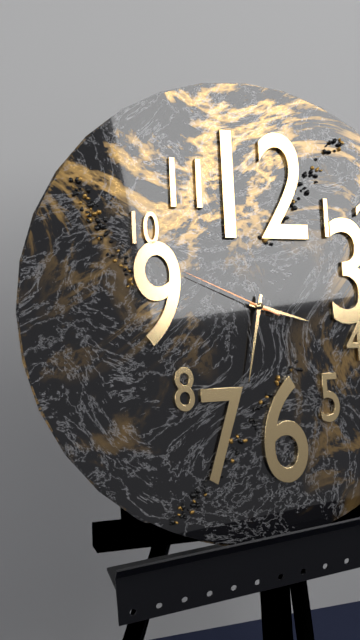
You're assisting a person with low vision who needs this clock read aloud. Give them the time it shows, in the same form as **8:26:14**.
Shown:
**3:32:49**
